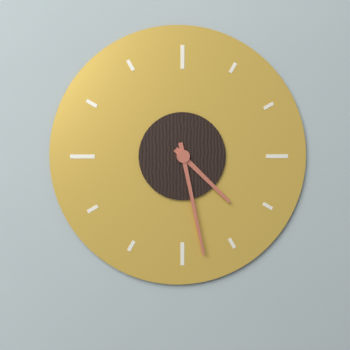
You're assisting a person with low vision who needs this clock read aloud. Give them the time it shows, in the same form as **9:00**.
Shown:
**4:28**
